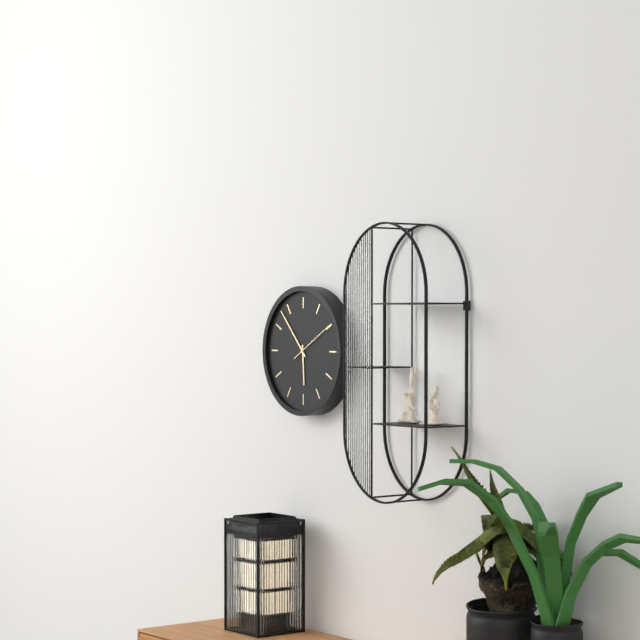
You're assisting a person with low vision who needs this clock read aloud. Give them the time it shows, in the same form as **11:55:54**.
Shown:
**5:53:10**
